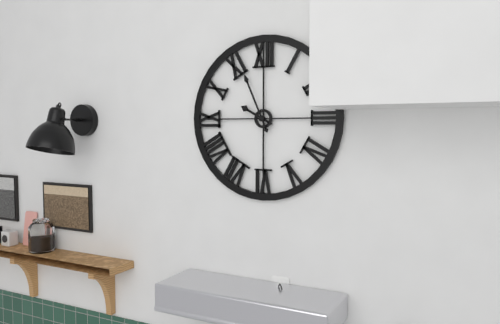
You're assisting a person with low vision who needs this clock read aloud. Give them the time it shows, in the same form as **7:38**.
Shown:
**9:56**
